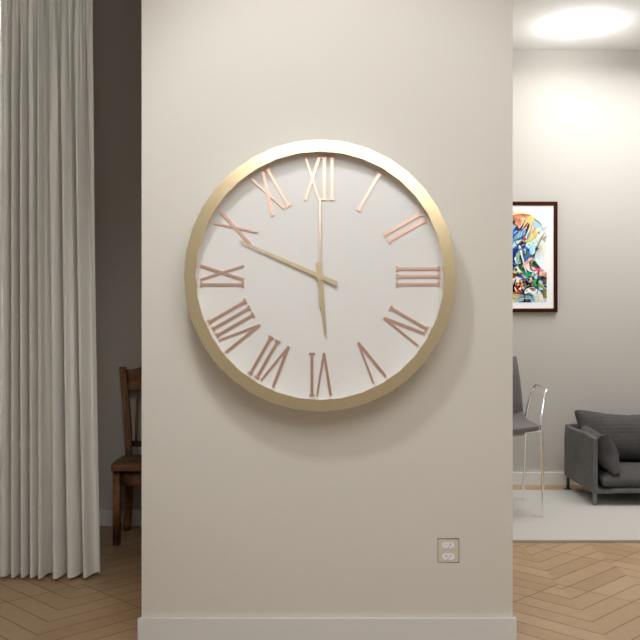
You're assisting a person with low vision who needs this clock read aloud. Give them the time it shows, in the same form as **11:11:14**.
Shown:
**5:49:00**
